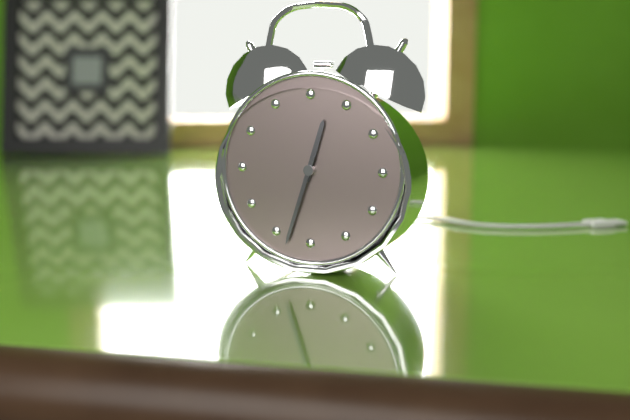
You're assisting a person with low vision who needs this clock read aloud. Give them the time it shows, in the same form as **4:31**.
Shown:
**12:33**
